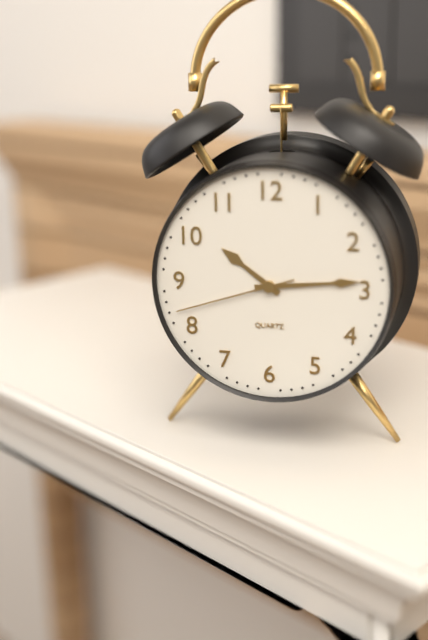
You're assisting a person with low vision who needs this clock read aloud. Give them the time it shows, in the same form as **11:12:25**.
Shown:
**10:14:42**
